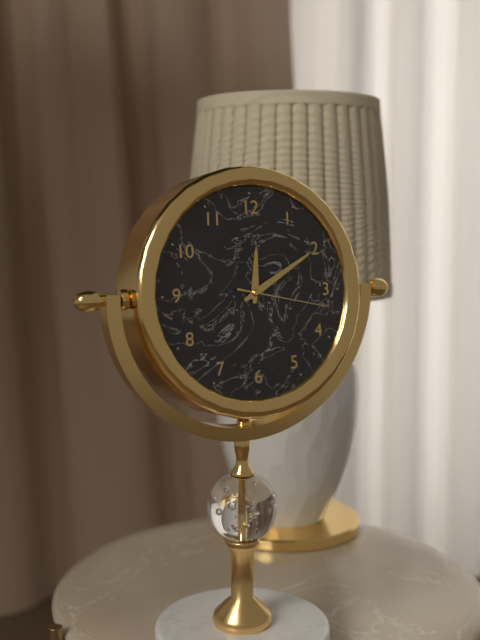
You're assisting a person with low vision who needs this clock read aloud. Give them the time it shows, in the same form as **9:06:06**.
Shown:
**12:10:17**
